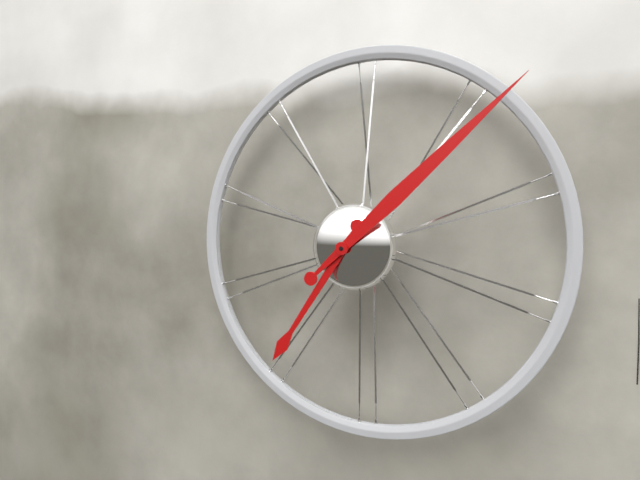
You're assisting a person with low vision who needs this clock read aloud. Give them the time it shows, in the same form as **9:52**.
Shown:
**7:08**
